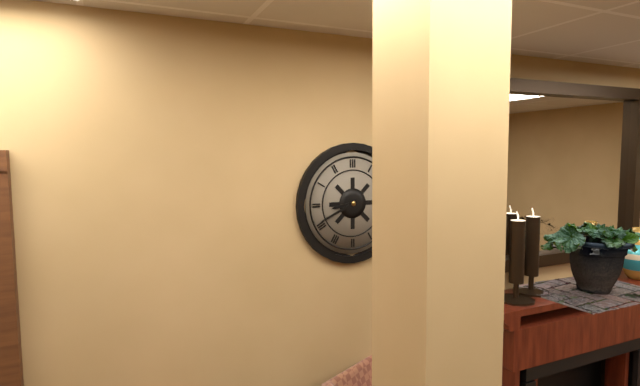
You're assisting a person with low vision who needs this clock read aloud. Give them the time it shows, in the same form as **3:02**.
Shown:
**8:41**
